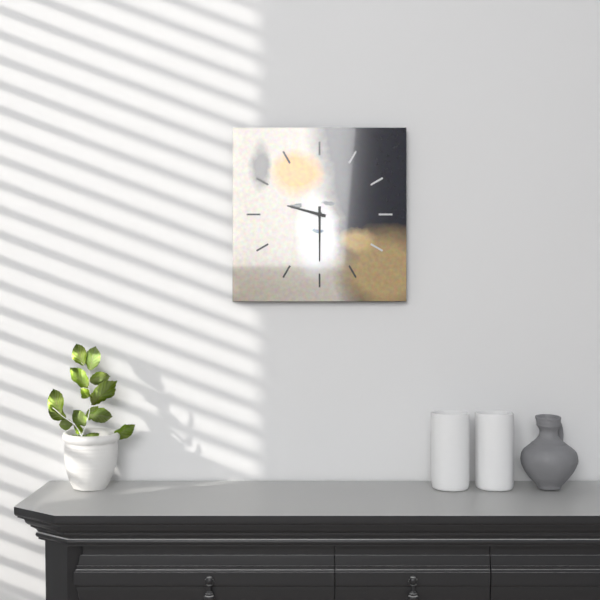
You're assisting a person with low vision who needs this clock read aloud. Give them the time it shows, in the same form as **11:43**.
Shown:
**9:30**
